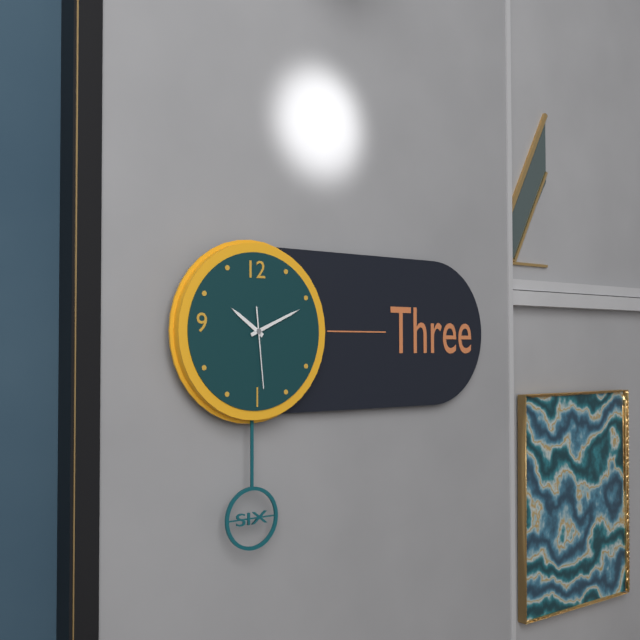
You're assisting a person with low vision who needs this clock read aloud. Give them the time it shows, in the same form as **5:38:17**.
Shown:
**10:11:29**
